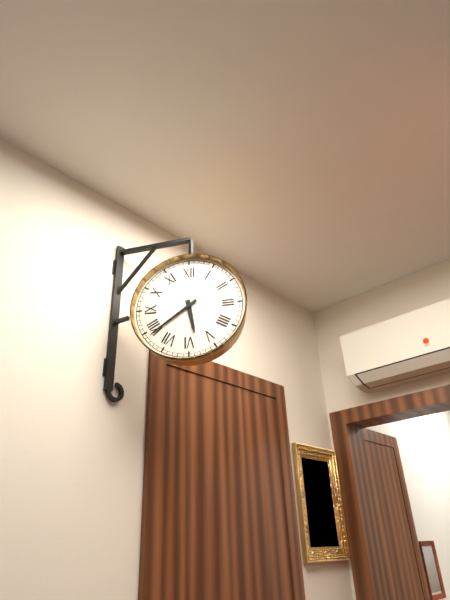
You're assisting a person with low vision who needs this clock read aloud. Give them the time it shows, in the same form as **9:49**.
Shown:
**5:39**
